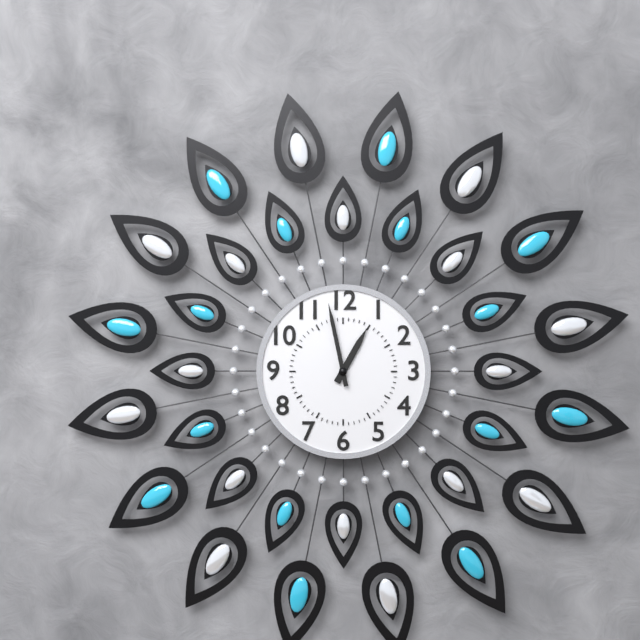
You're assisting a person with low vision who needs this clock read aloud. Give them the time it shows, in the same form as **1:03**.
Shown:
**12:58**
